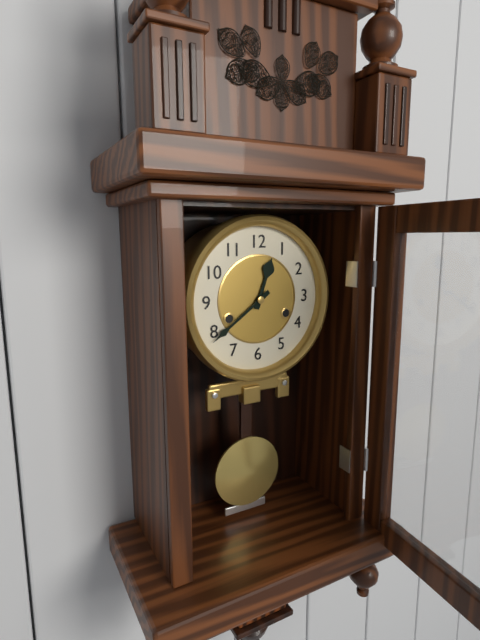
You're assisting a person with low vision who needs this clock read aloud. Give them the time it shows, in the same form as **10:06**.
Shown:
**12:39**
